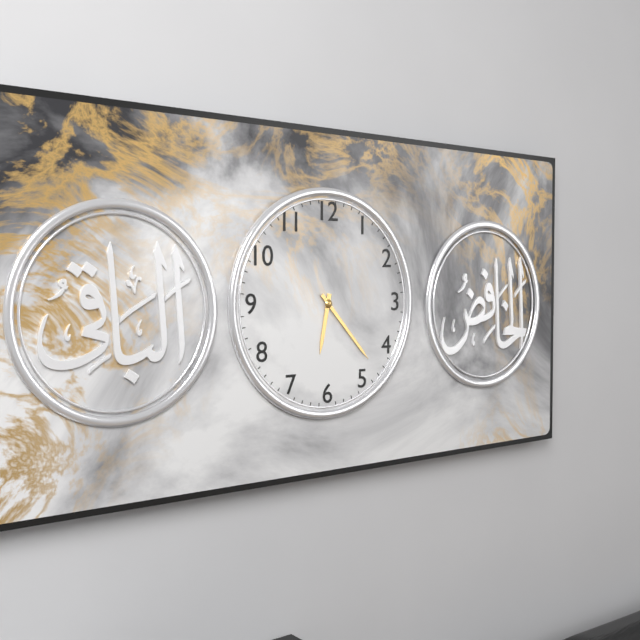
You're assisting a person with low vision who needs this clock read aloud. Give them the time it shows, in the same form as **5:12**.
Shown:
**6:23**
